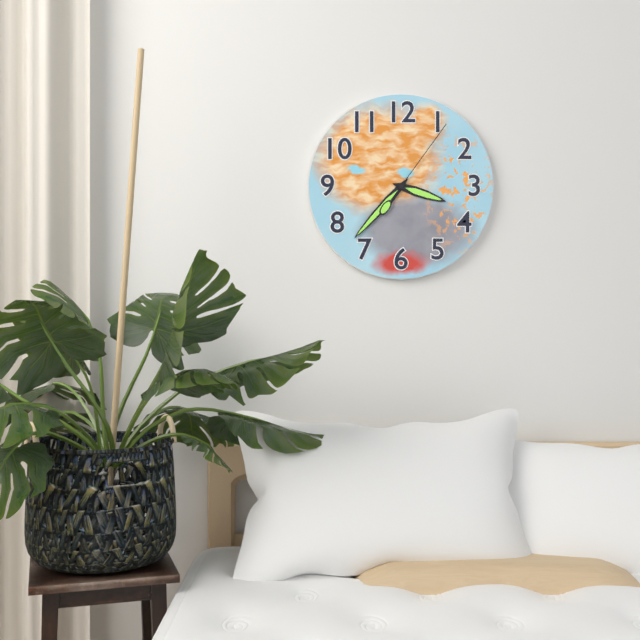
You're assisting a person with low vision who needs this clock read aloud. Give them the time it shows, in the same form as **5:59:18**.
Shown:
**3:37:06**
